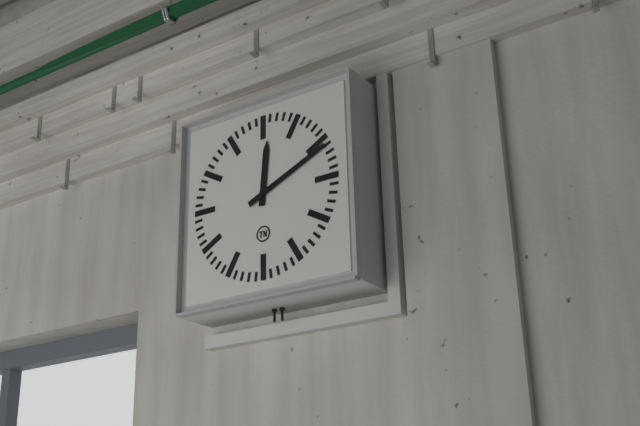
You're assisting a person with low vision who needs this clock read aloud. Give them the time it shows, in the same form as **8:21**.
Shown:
**12:11**
